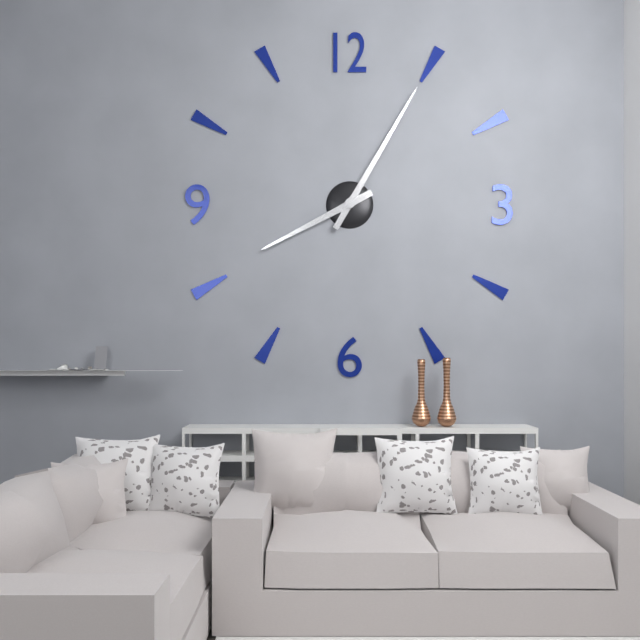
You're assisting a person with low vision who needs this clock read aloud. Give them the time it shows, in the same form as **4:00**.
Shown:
**8:05**
